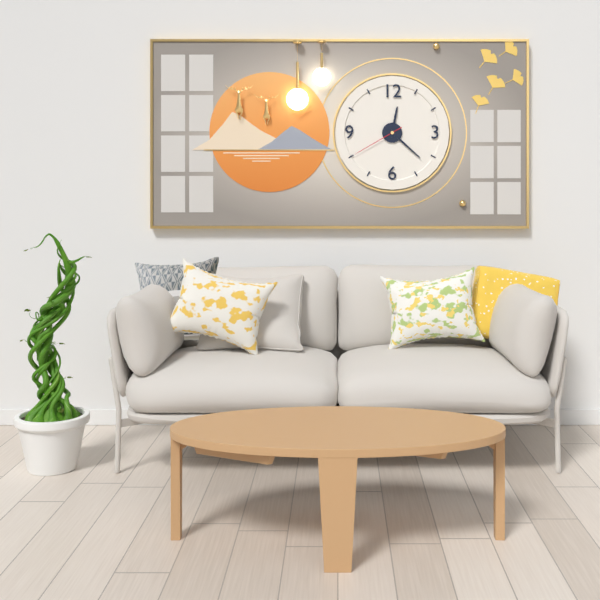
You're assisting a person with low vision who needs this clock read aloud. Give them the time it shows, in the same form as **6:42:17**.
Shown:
**12:22:40**
